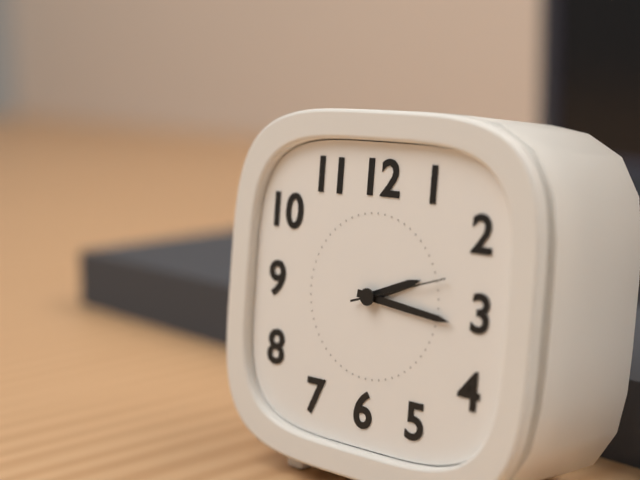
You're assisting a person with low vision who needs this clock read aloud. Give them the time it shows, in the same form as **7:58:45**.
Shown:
**2:16:12**
